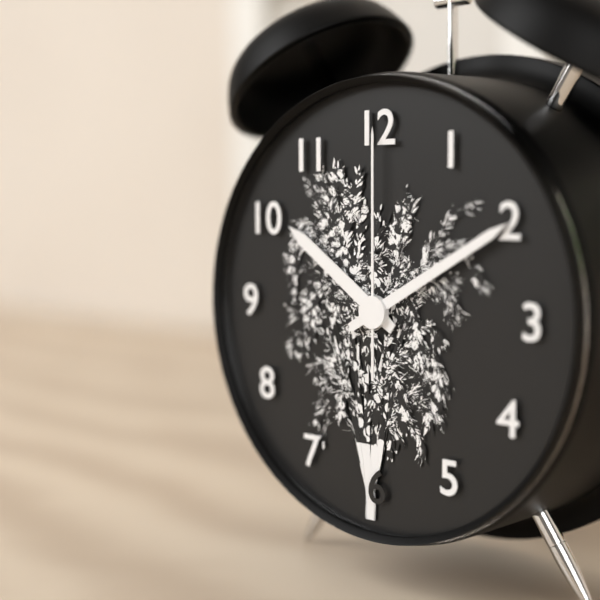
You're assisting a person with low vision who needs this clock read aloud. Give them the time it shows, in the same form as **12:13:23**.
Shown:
**10:10:00**
